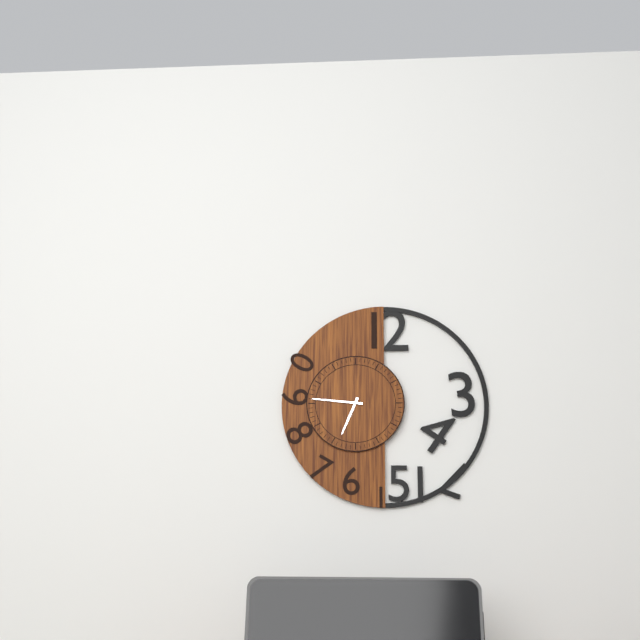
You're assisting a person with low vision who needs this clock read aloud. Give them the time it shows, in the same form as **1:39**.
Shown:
**6:46**
